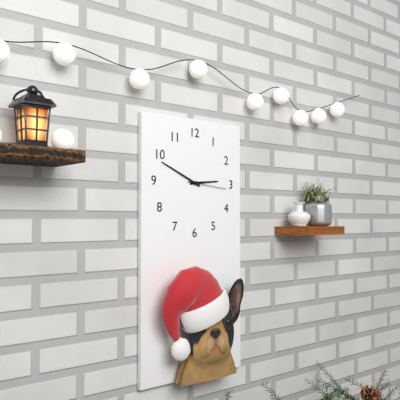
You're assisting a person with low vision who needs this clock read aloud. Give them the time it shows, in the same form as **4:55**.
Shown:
**2:49**
